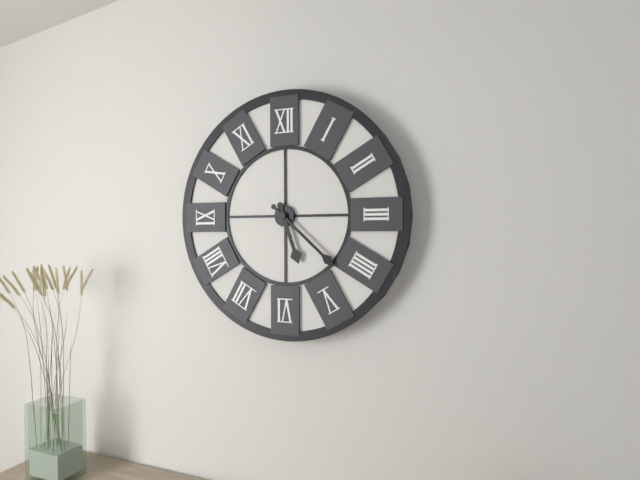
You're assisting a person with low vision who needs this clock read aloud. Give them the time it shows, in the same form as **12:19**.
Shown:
**5:22**
